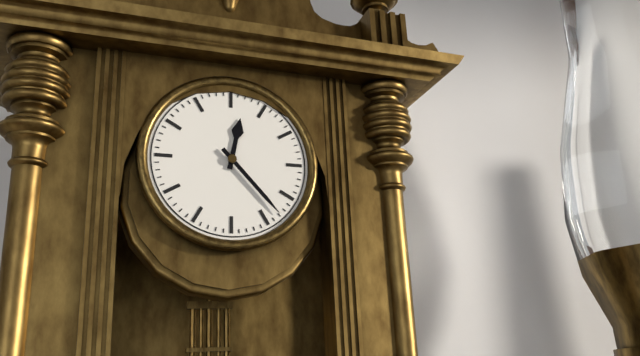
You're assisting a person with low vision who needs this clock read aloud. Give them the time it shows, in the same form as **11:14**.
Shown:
**12:23**
